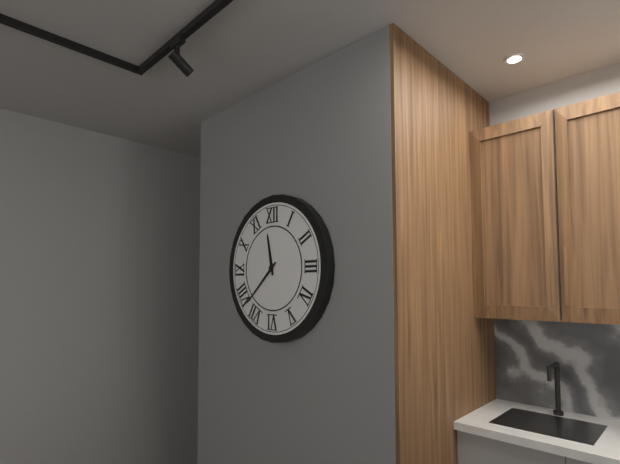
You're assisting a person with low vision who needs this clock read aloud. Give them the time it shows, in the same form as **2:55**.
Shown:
**11:38**
